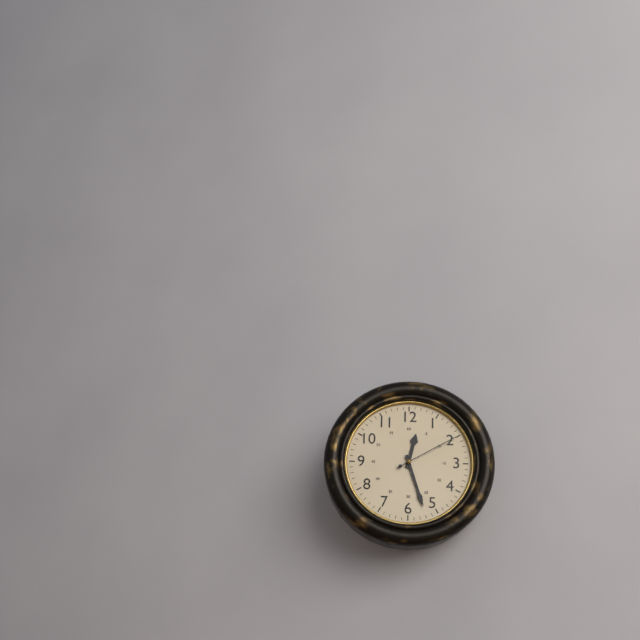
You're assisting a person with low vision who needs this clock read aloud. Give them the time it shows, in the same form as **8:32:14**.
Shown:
**12:27:10**
